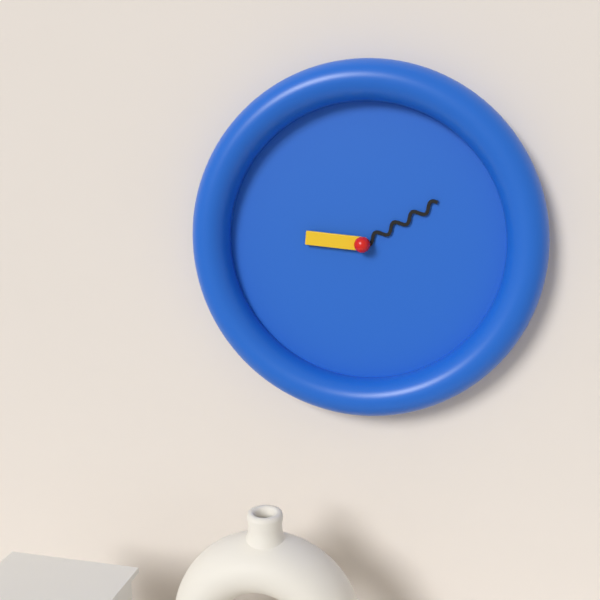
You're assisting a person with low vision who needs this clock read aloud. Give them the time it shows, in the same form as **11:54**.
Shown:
**9:10**
